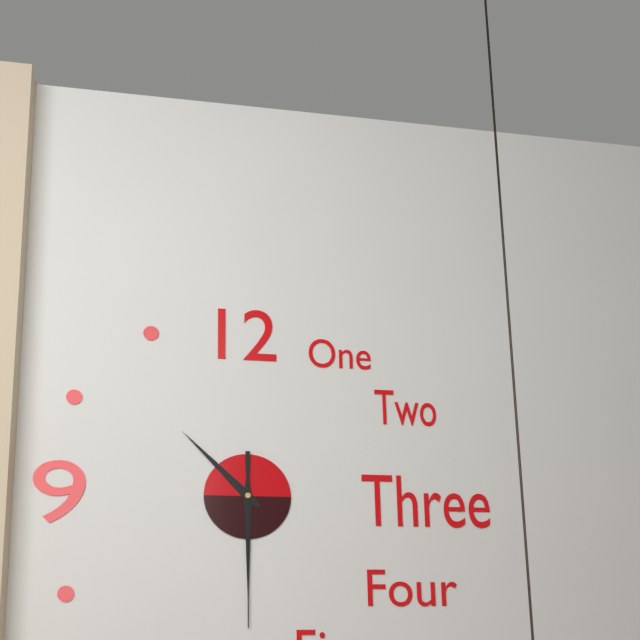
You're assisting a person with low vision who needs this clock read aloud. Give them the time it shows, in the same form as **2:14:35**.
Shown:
**10:30:30**
